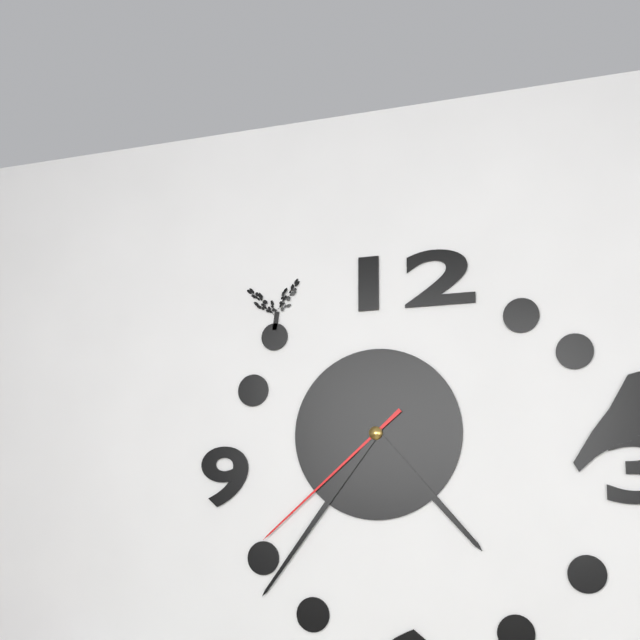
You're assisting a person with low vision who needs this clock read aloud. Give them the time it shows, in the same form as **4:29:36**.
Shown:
**4:36:38**
